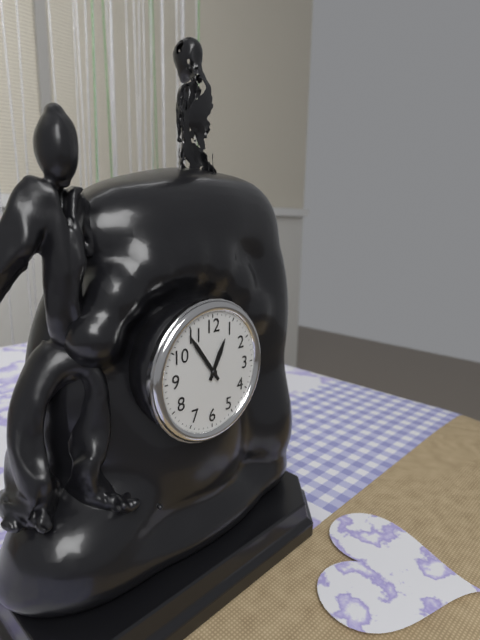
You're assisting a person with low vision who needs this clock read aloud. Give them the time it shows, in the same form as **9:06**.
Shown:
**12:54**
